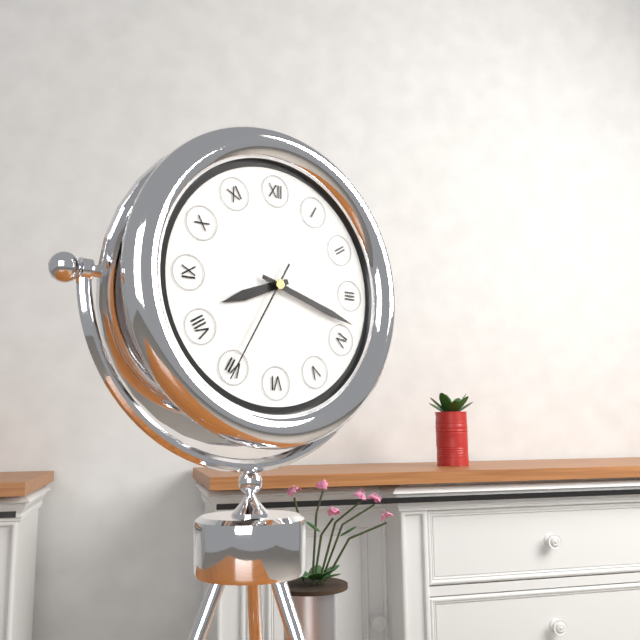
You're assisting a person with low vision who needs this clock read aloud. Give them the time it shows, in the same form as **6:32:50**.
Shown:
**8:18:35**
